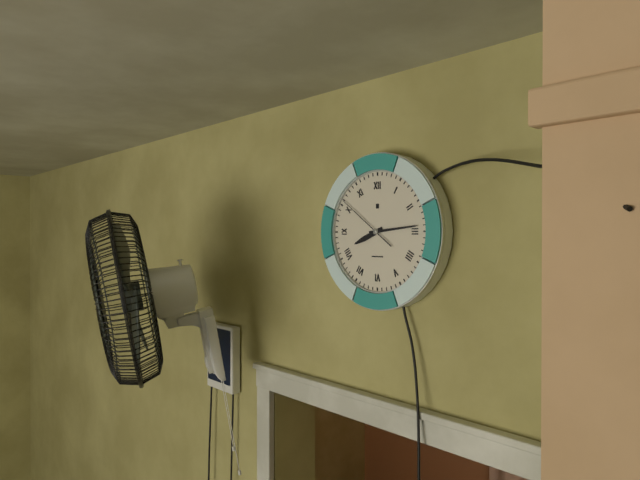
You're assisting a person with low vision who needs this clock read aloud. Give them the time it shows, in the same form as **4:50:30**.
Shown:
**8:14:51**
